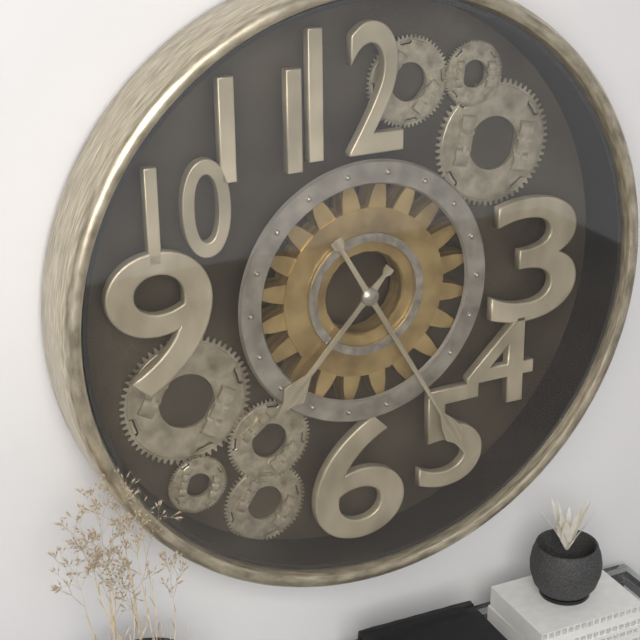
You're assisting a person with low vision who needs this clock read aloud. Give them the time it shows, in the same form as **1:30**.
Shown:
**7:25**
